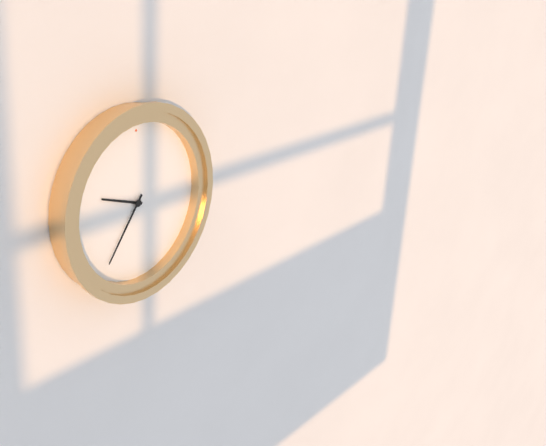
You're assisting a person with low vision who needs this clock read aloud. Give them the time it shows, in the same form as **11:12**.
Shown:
**9:36**
